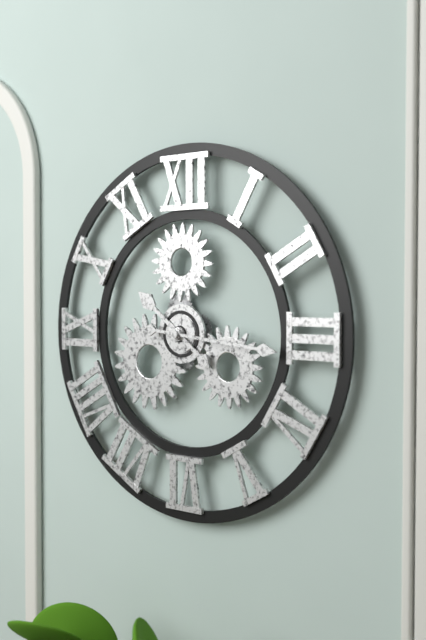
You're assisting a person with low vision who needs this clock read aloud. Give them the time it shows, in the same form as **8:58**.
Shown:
**10:16**
